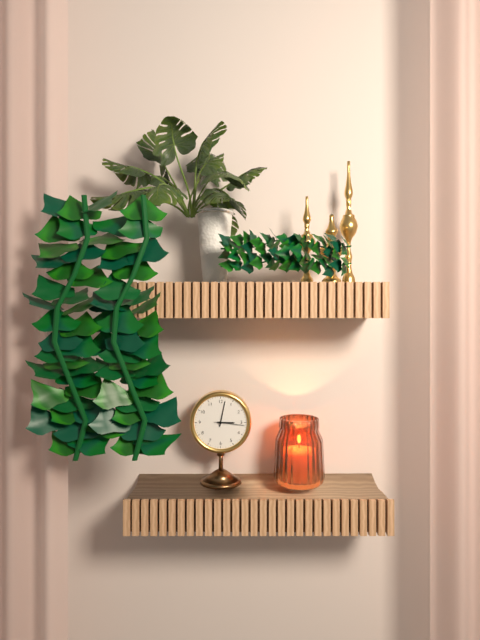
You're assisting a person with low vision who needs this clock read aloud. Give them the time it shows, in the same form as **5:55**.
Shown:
**3:02**
